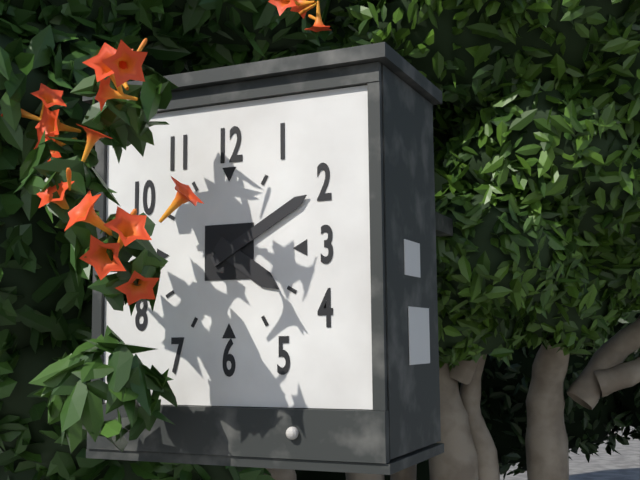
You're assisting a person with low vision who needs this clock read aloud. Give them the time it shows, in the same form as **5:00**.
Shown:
**4:10**
